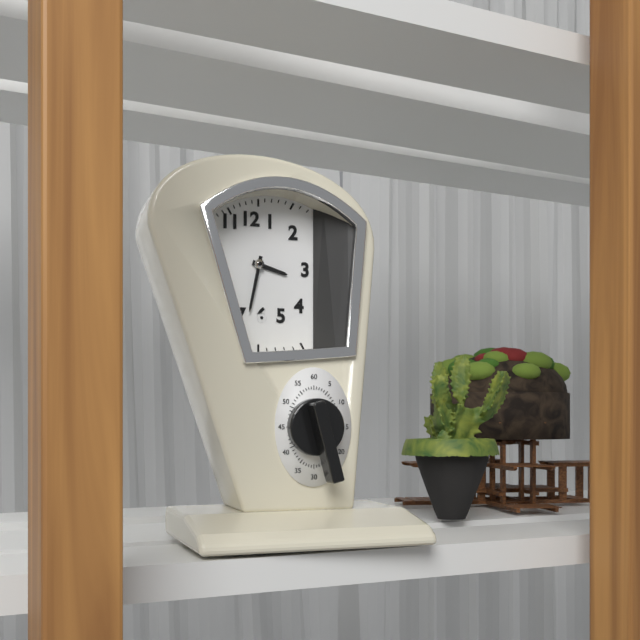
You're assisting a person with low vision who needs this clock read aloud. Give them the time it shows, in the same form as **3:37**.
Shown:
**3:32**
